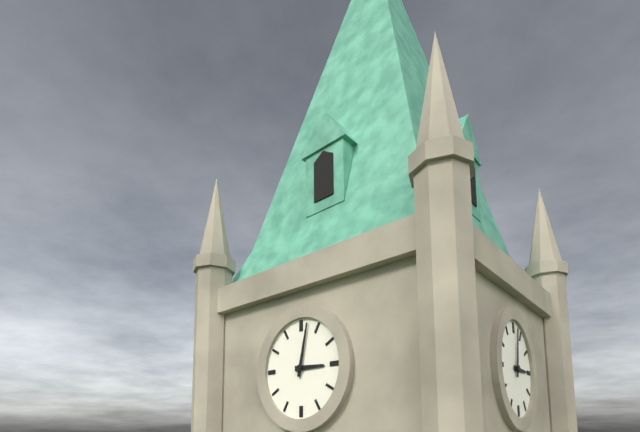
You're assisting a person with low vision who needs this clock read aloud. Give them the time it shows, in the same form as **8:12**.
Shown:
**3:02**
